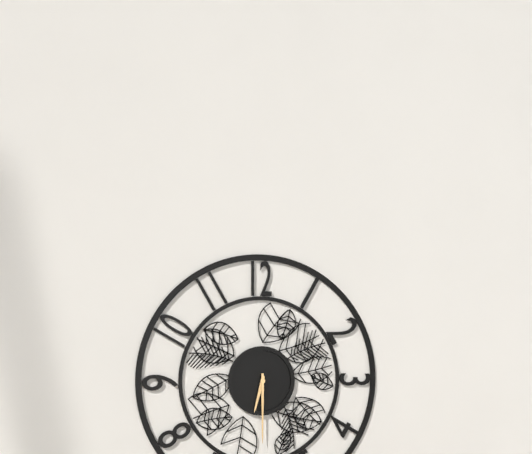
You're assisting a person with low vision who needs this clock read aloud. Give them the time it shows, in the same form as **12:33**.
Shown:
**6:30**
